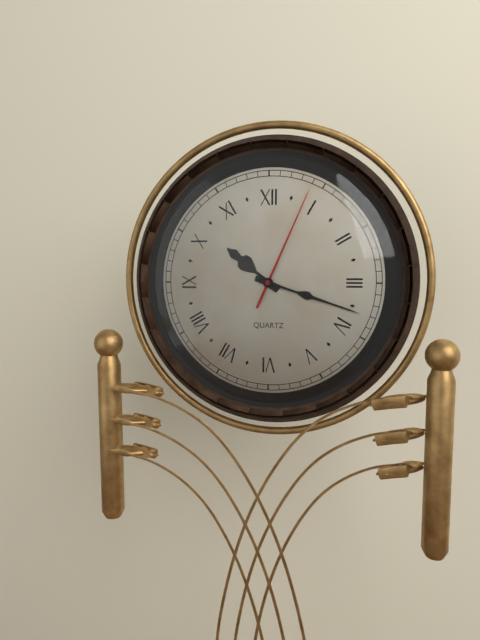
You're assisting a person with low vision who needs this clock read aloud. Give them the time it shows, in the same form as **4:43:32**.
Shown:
**10:18:04**
